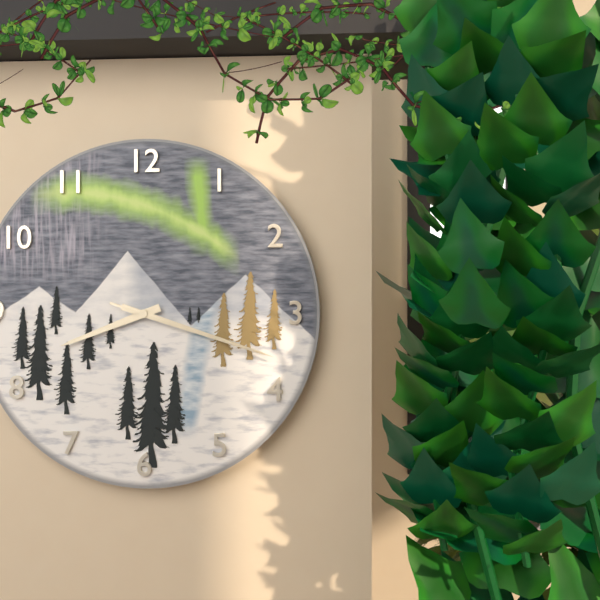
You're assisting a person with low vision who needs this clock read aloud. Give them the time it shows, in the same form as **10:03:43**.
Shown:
**8:18:18**
